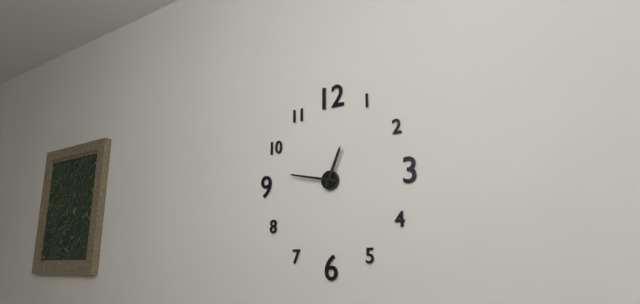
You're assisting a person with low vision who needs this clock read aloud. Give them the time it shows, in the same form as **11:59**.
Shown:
**12:47**
